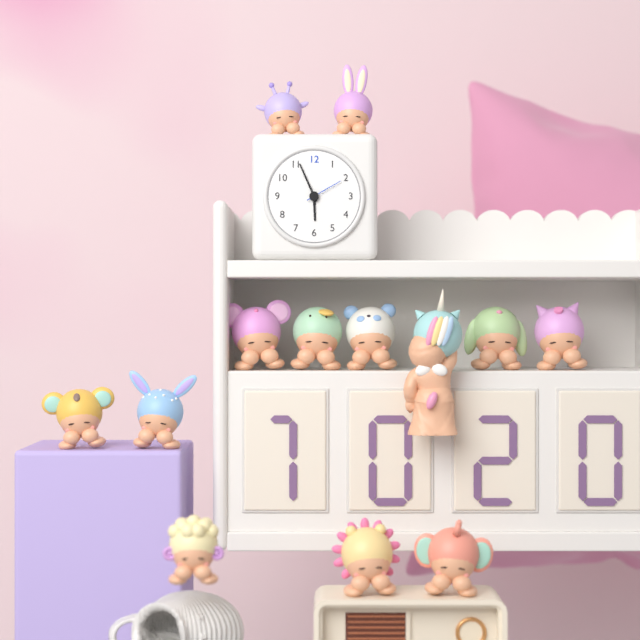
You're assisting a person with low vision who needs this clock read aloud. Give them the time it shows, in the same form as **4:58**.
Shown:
**5:56**
